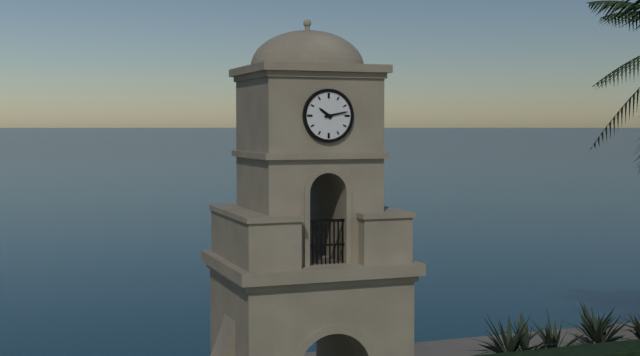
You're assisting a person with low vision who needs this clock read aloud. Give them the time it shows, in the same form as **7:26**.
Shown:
**10:13**
